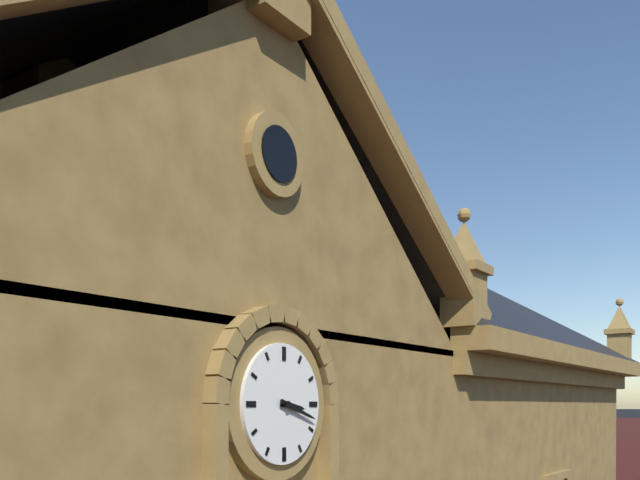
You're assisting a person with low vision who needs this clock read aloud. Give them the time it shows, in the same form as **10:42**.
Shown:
**3:18**
